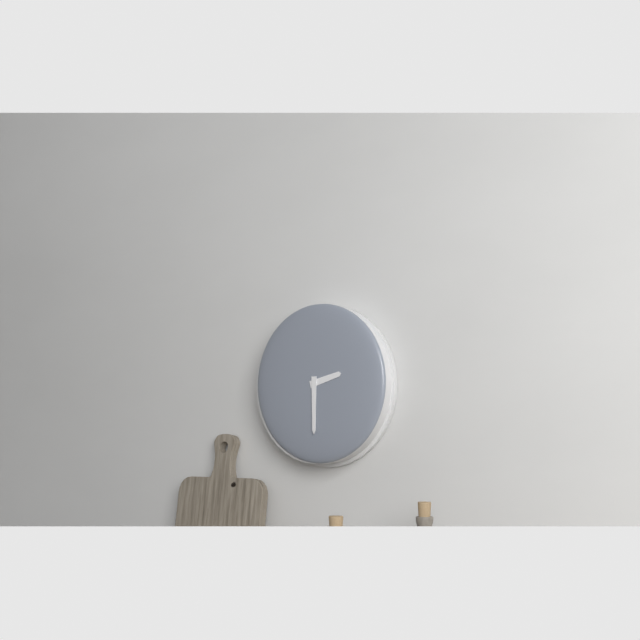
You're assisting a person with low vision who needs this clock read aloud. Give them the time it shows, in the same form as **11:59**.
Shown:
**2:30**
